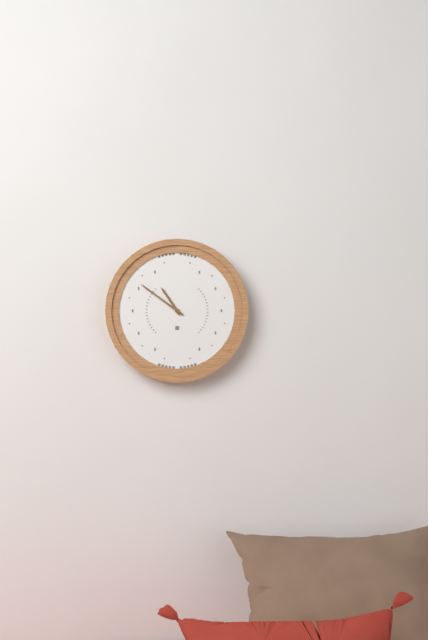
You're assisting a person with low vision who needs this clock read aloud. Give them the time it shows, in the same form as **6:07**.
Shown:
**10:51**
